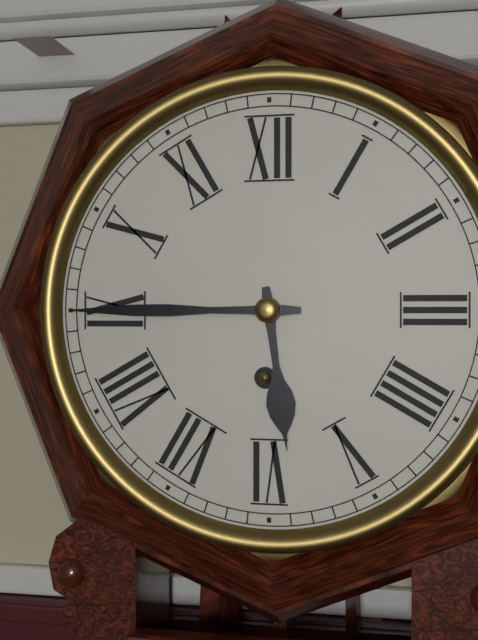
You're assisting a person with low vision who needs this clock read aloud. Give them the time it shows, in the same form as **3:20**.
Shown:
**5:45**
